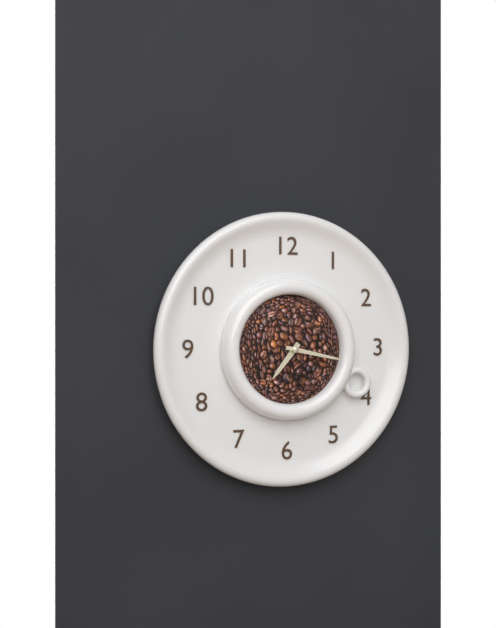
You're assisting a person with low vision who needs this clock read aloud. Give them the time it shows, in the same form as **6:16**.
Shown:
**7:17**
